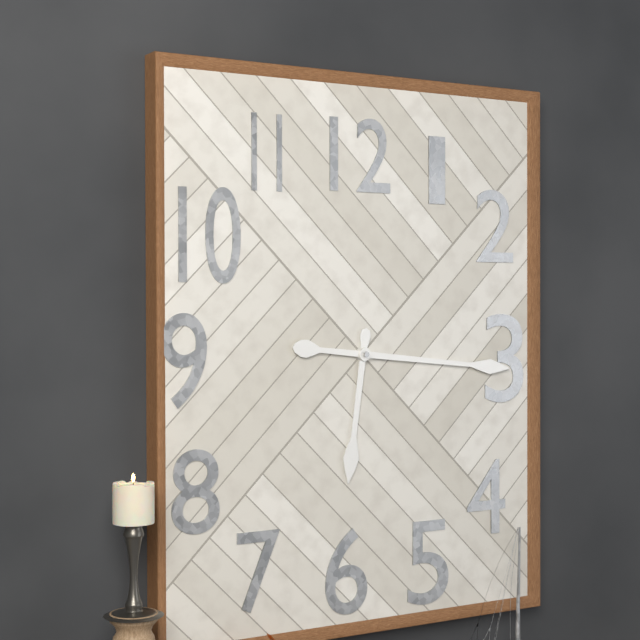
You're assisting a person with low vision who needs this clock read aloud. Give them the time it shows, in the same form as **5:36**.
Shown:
**6:16**
